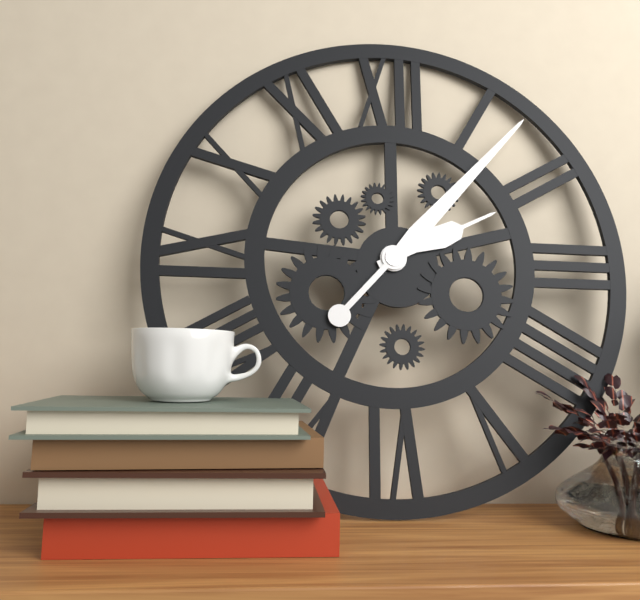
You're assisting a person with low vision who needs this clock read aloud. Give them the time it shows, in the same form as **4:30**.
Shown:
**2:07**
